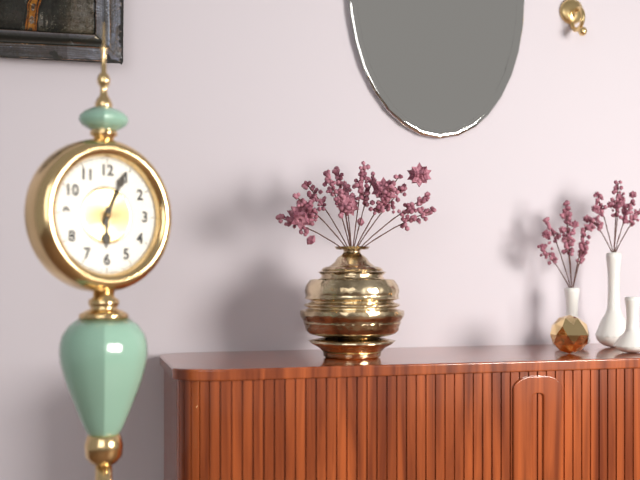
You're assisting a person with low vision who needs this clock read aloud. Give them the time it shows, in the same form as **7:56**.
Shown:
**6:04**
